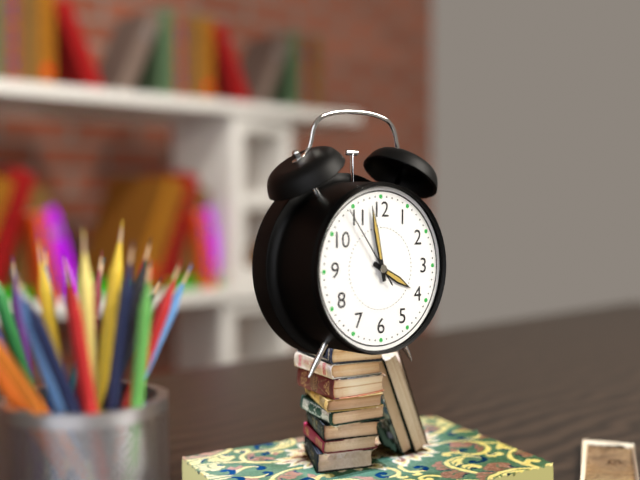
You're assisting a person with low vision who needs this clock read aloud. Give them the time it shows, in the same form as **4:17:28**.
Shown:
**3:58:54**
